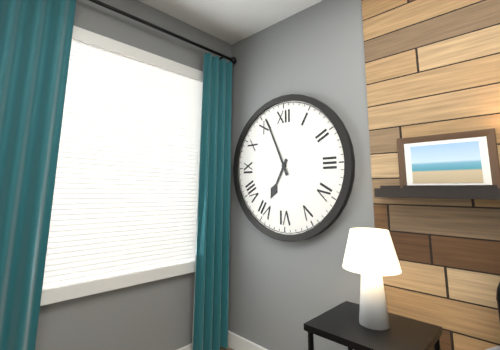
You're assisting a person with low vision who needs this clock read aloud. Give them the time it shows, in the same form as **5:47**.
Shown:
**6:56**
